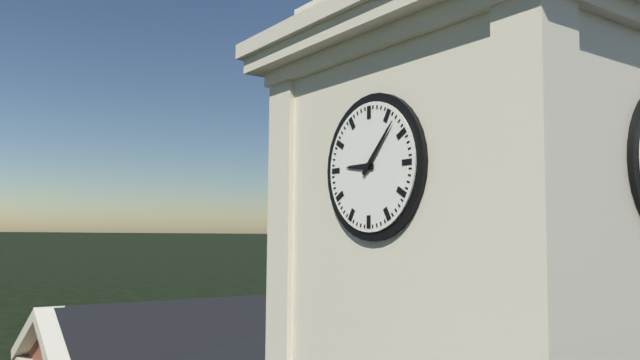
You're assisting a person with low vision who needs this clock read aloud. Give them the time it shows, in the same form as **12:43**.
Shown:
**9:07**
